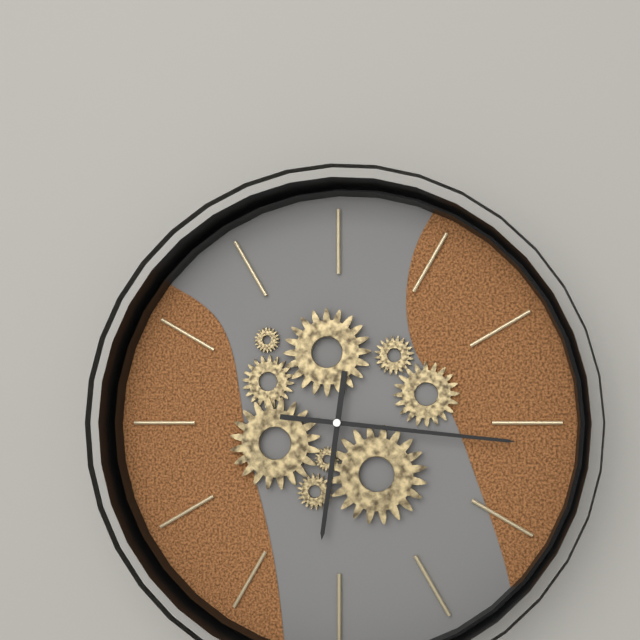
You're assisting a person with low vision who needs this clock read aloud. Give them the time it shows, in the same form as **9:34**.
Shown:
**6:16**
